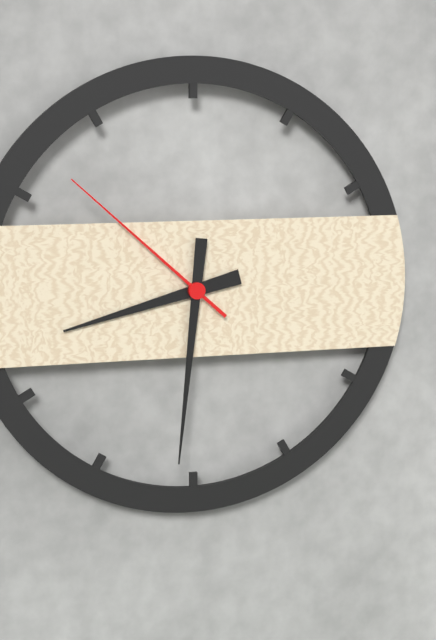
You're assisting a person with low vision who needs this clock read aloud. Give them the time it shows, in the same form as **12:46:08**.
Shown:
**8:31:52**
